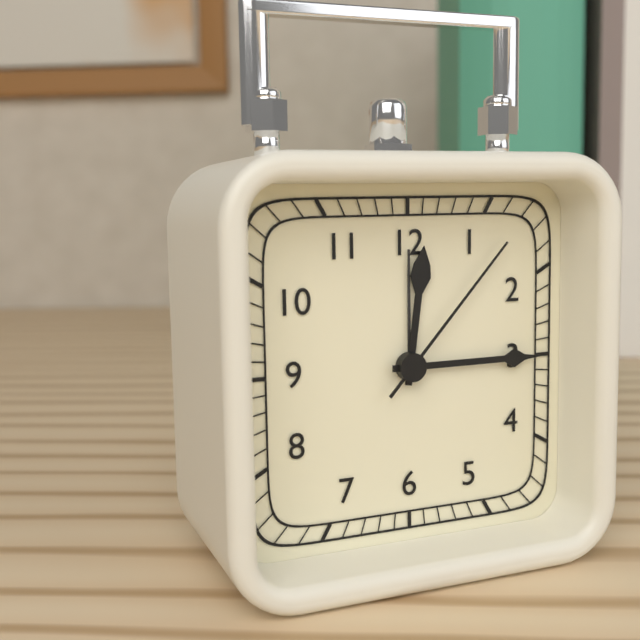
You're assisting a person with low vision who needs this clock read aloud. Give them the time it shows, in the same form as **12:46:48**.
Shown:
**12:15:07**
